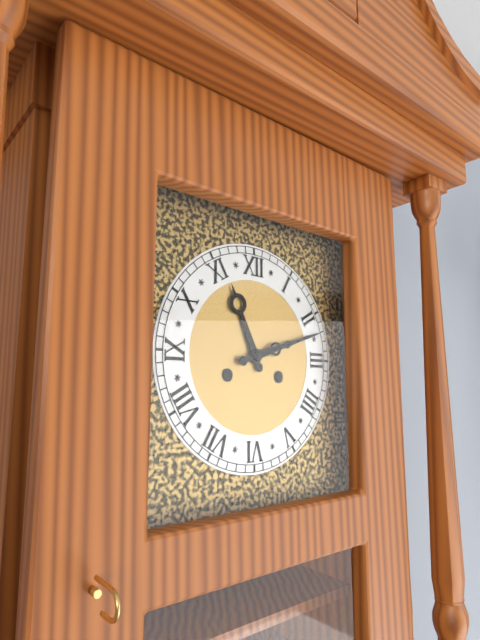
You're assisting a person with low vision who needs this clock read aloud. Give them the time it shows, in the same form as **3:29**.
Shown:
**11:12**
